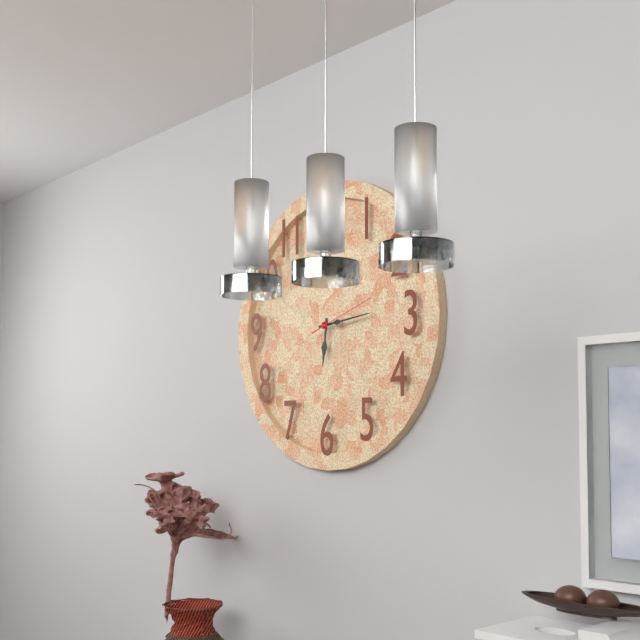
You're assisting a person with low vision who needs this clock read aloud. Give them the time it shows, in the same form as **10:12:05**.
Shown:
**6:14:12**
